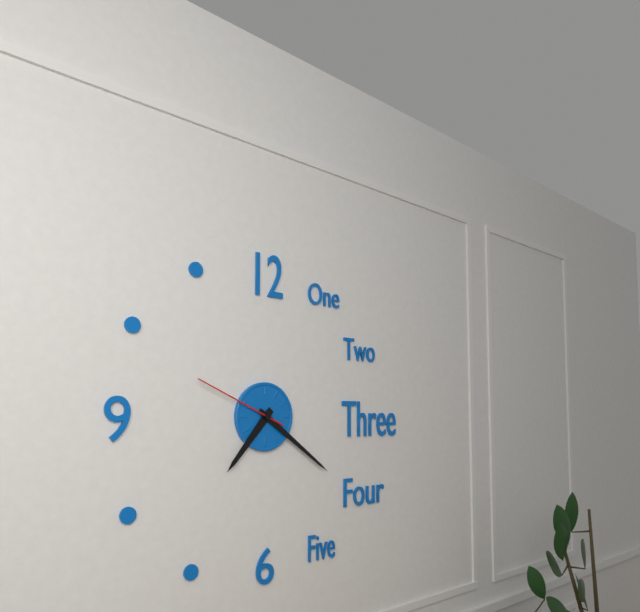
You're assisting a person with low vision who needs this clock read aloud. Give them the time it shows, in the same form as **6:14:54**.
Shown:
**7:21:49**
